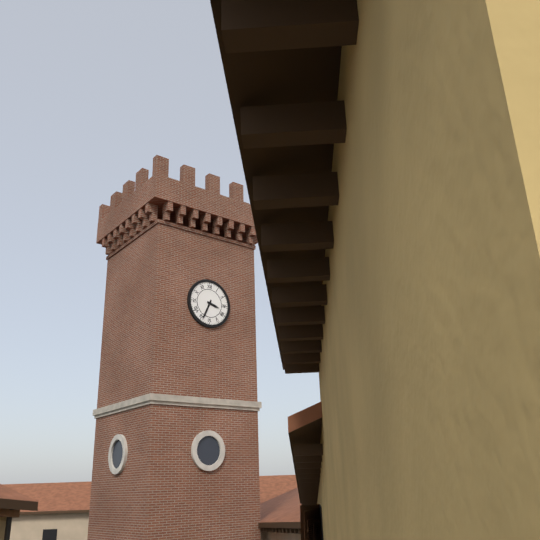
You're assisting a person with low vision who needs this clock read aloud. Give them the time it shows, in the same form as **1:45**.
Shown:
**3:34**
